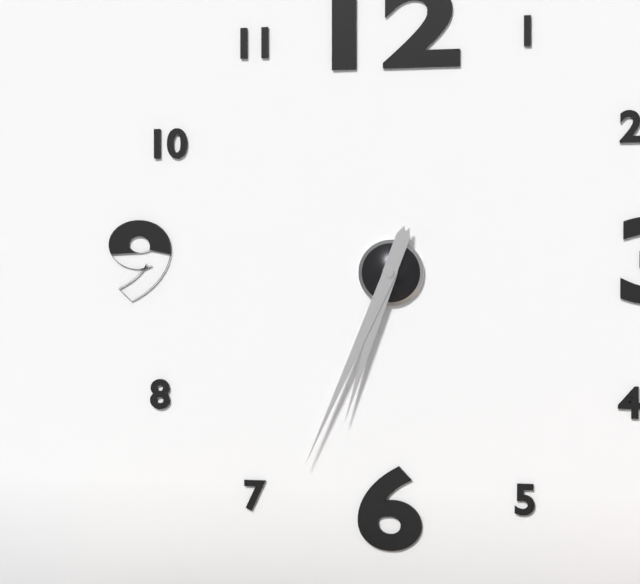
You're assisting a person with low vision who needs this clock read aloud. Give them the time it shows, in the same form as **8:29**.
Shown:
**6:34**
